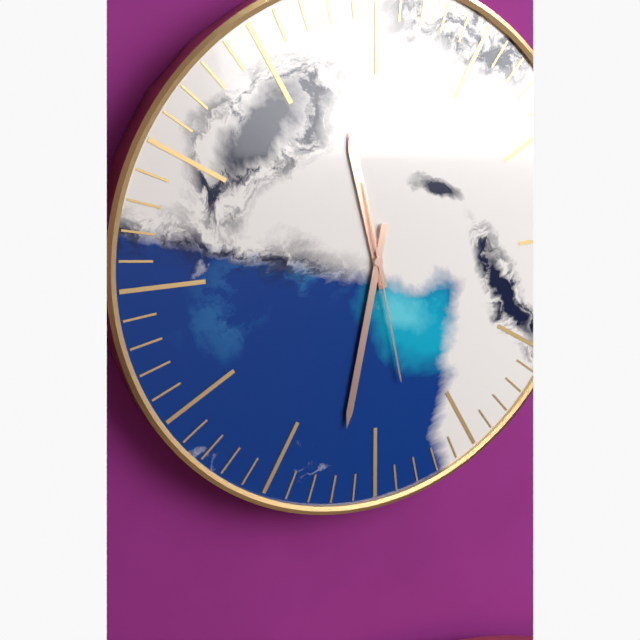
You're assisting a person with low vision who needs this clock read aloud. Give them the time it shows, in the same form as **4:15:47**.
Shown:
**11:32:28**
